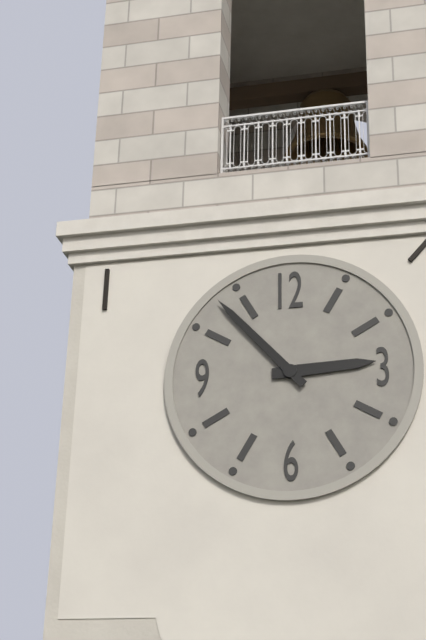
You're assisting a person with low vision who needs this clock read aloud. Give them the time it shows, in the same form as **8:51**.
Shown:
**2:53**
